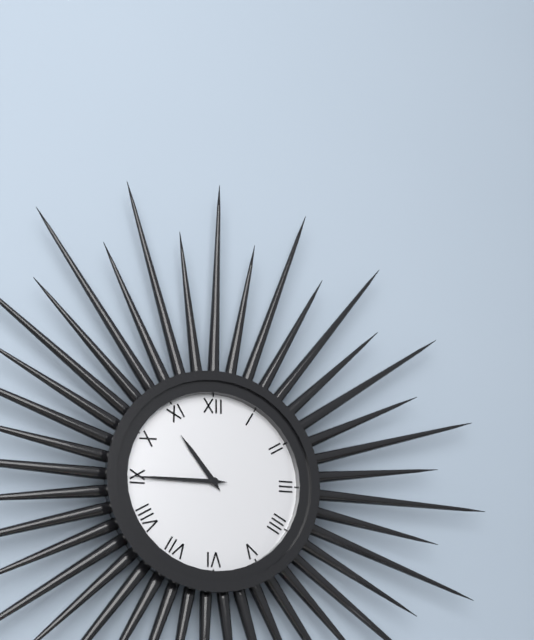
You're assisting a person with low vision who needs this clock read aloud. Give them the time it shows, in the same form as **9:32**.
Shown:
**10:45**
